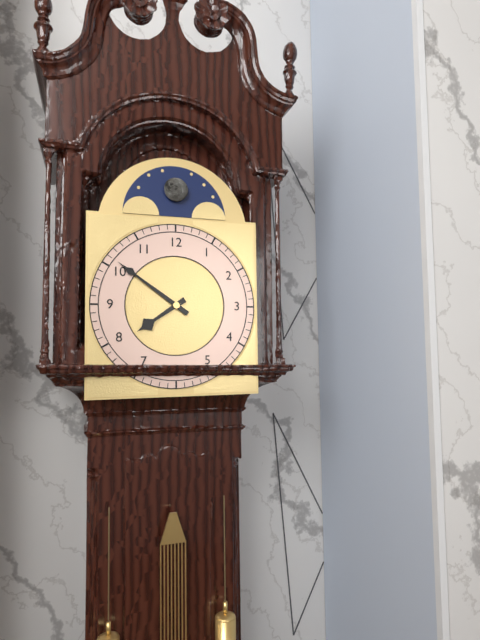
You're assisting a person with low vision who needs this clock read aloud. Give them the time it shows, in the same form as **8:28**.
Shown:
**7:51**
